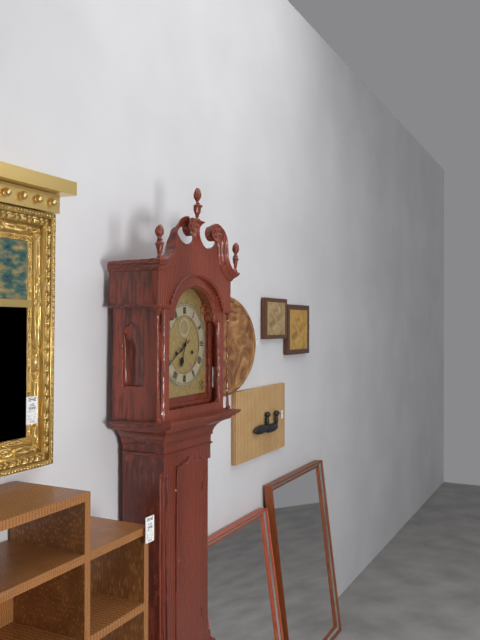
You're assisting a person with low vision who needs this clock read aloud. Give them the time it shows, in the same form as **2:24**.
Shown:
**6:40**
